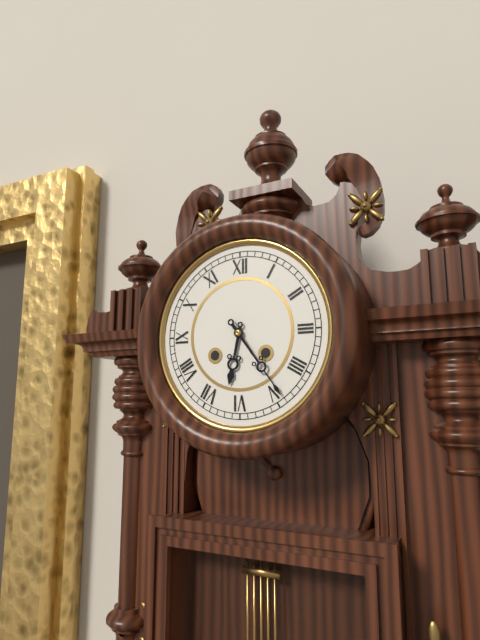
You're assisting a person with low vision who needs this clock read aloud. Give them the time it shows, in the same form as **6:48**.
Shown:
**6:24**
